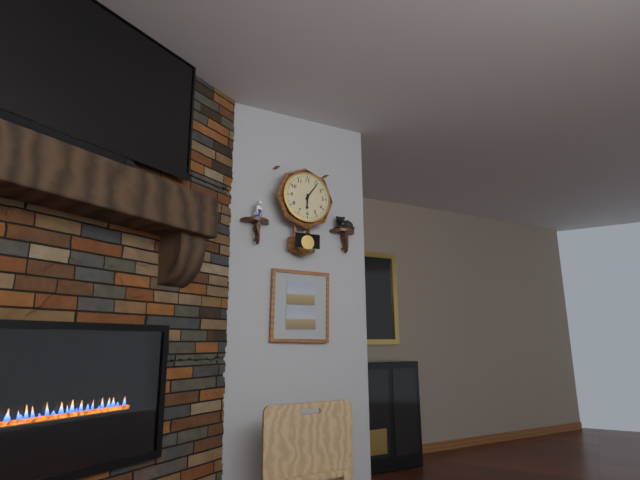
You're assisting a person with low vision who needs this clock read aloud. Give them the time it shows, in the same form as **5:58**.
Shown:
**6:06**
